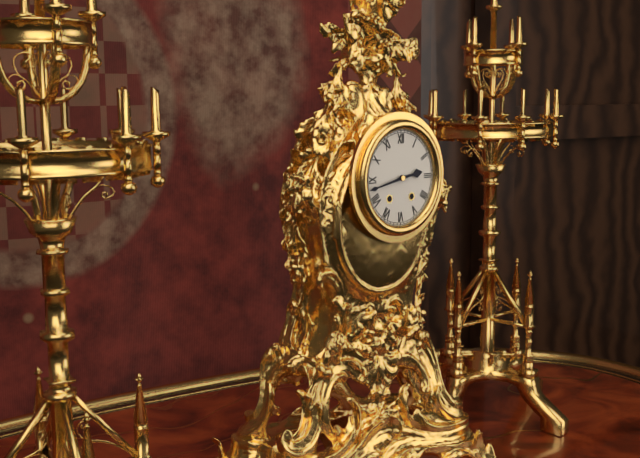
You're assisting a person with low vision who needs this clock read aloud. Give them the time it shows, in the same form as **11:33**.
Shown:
**2:43**
